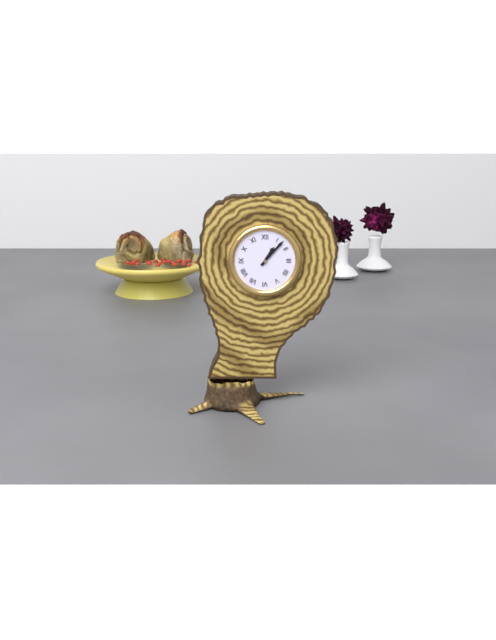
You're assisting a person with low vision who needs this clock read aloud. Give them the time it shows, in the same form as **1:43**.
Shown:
**1:07**
